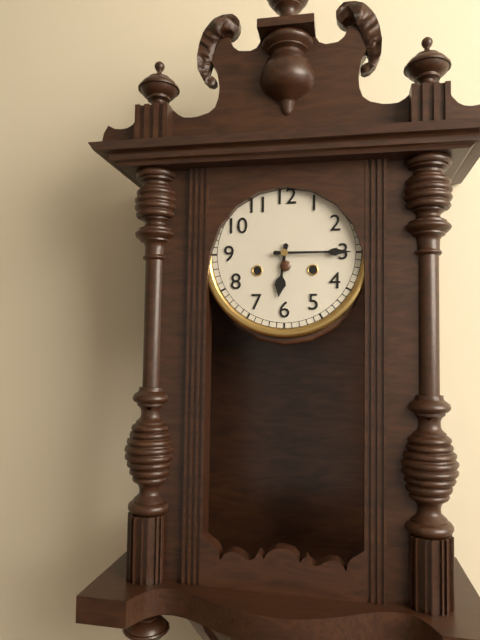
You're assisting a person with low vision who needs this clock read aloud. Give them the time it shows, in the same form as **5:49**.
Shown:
**6:15**
